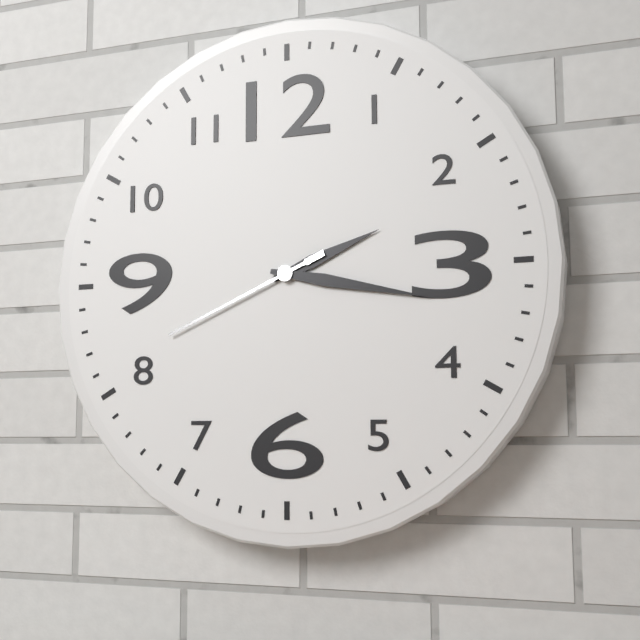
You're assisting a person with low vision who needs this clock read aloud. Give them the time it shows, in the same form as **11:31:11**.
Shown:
**2:17:41**
